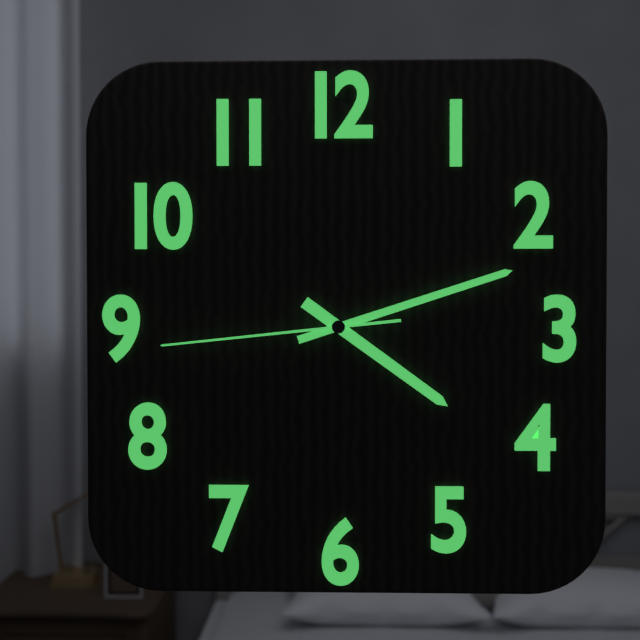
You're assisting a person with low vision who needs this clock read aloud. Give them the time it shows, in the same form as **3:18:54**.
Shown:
**4:12:44**
